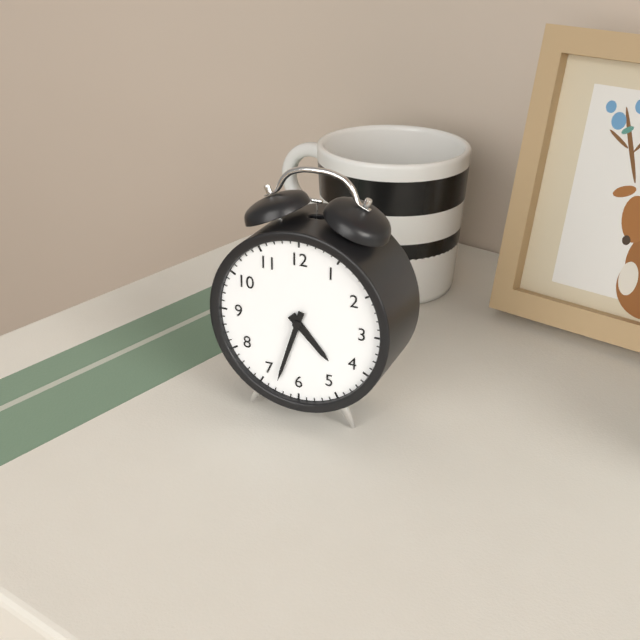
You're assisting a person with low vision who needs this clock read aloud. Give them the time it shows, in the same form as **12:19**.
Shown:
**4:33**
